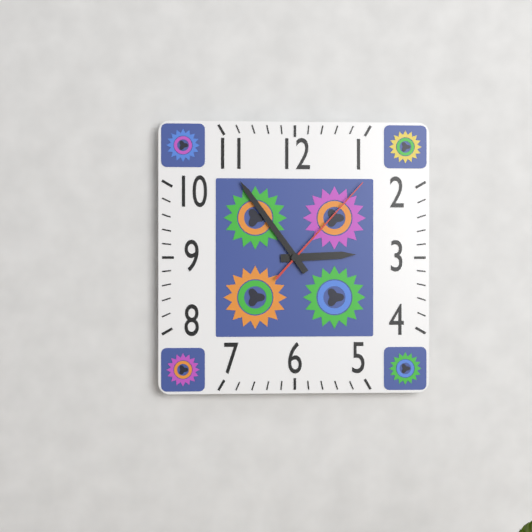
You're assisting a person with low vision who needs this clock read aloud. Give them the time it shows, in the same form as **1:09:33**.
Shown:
**2:54:07**
